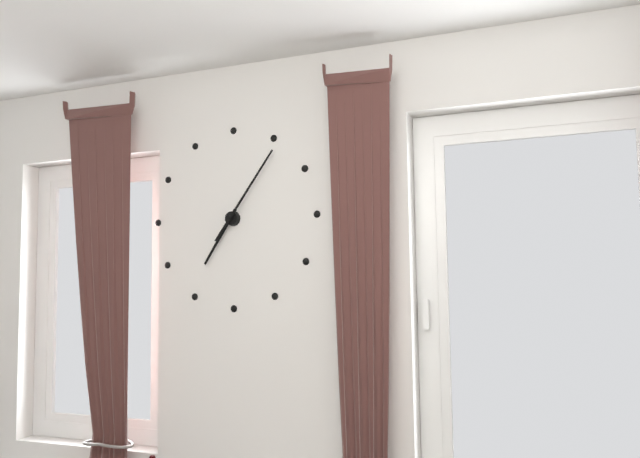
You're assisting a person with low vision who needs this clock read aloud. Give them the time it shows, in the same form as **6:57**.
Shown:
**7:06**
